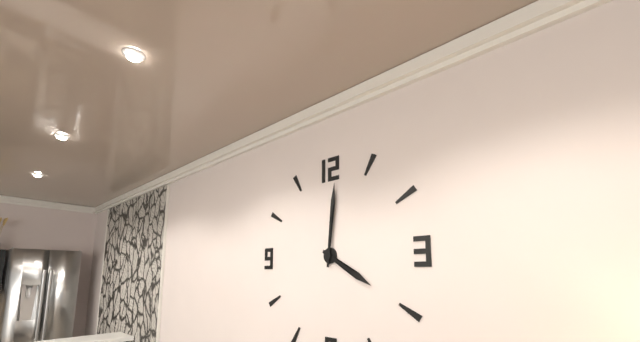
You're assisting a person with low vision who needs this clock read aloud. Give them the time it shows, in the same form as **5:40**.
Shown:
**4:01**
